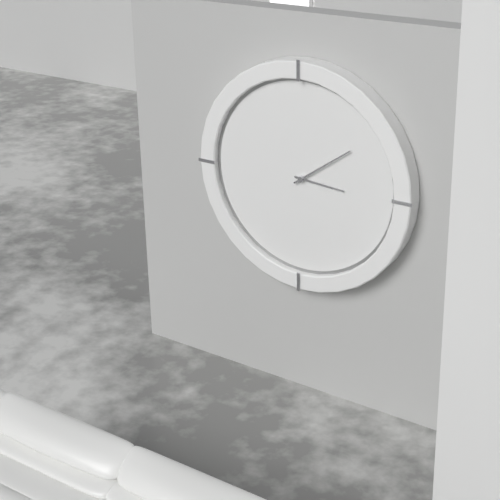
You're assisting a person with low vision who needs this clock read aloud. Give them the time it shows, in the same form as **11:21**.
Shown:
**3:09**
